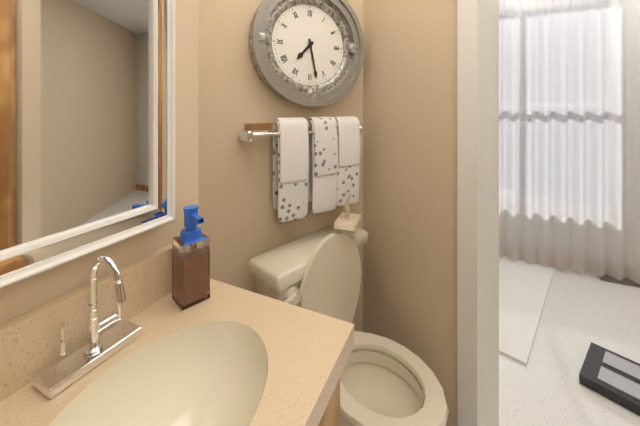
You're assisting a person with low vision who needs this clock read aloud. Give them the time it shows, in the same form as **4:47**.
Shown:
**7:28**
